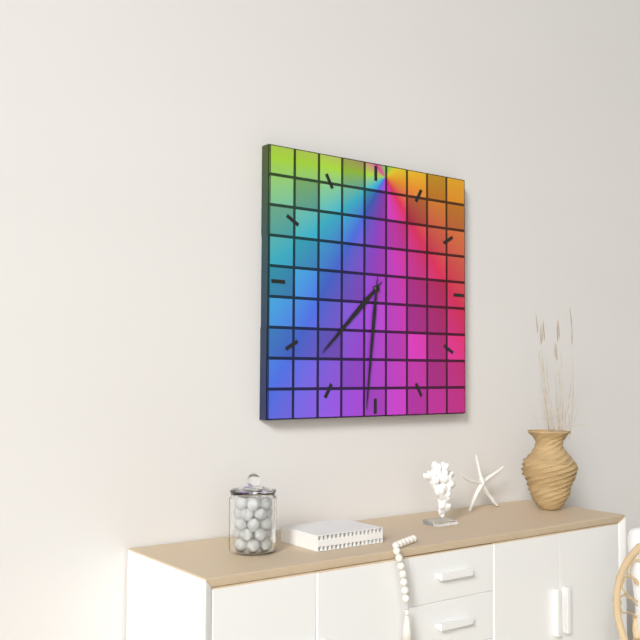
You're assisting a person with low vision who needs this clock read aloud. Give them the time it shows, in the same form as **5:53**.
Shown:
**7:31**
